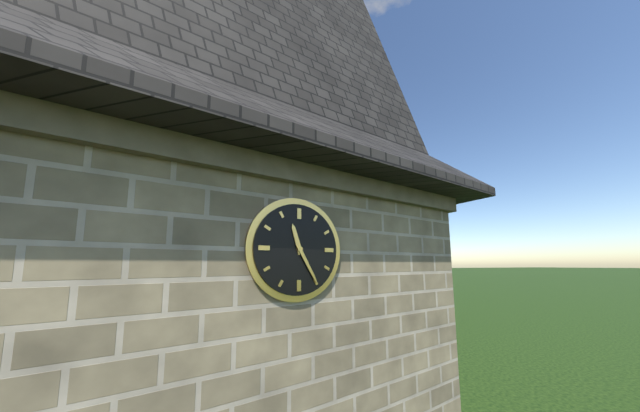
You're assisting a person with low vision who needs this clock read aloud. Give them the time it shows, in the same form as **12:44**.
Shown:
**11:25**
